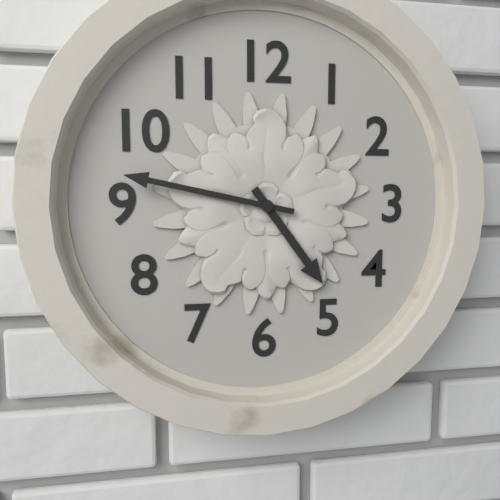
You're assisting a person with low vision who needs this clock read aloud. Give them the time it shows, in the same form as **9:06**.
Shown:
**4:47**
